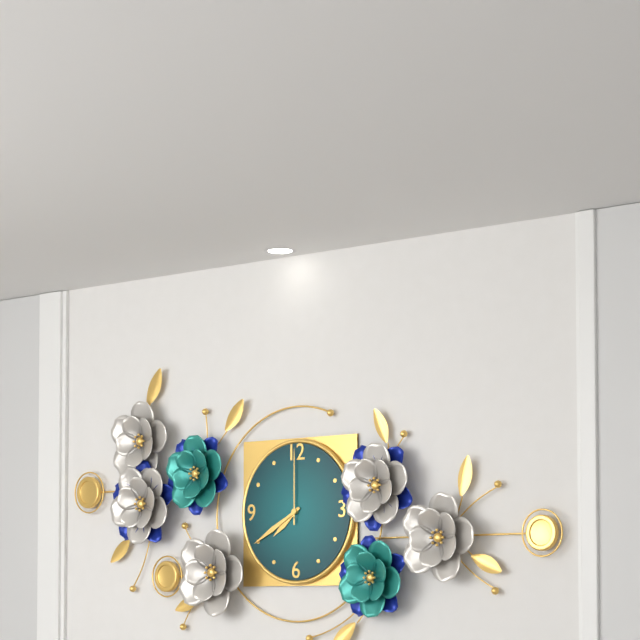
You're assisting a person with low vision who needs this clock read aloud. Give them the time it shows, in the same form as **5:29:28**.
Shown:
**7:40:00**
